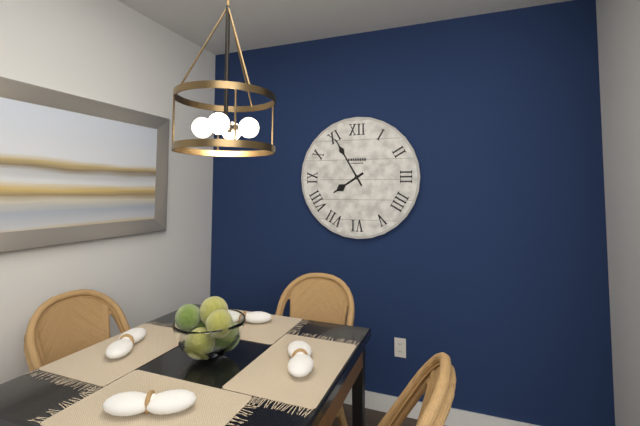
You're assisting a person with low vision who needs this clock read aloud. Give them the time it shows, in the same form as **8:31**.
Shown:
**7:55**
